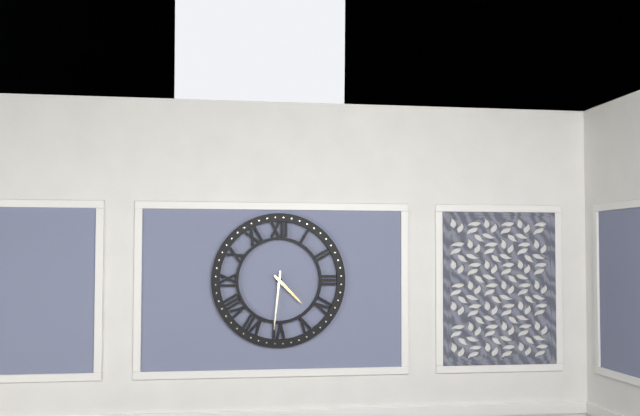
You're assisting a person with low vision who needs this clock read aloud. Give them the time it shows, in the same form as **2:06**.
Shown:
**4:31**
